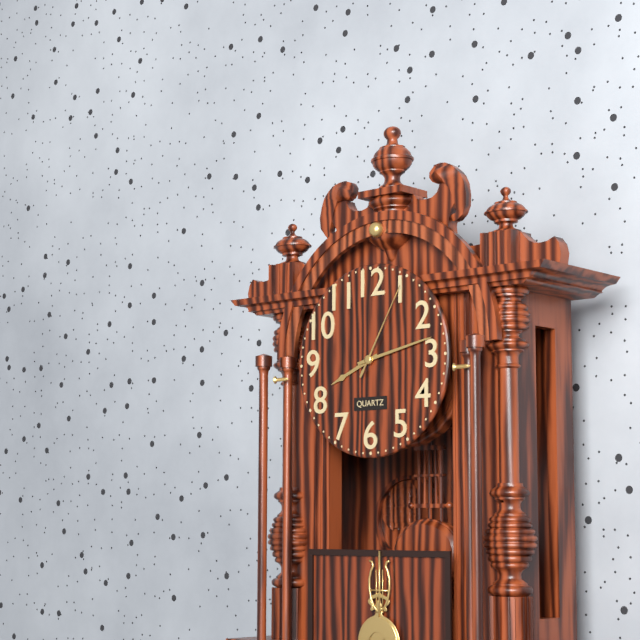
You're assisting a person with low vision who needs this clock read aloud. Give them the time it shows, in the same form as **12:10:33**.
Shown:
**8:13:05**
